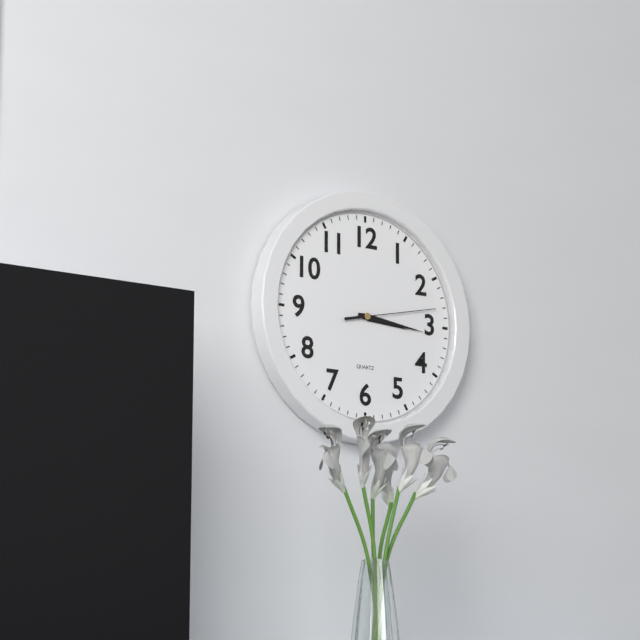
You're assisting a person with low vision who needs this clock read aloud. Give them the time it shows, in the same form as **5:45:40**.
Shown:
**3:16:13**
